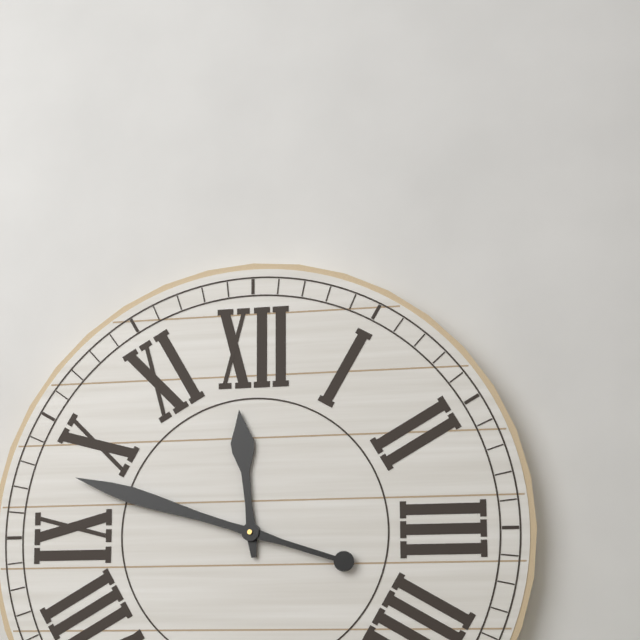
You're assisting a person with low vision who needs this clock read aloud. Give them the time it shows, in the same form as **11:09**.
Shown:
**11:48**
